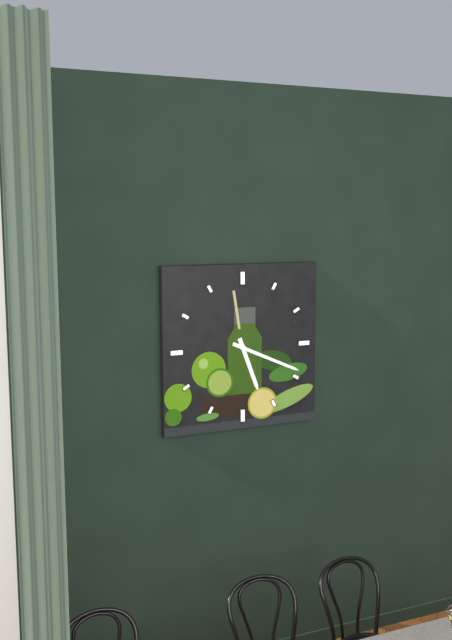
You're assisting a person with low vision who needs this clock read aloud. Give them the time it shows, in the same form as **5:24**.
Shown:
**5:19**
